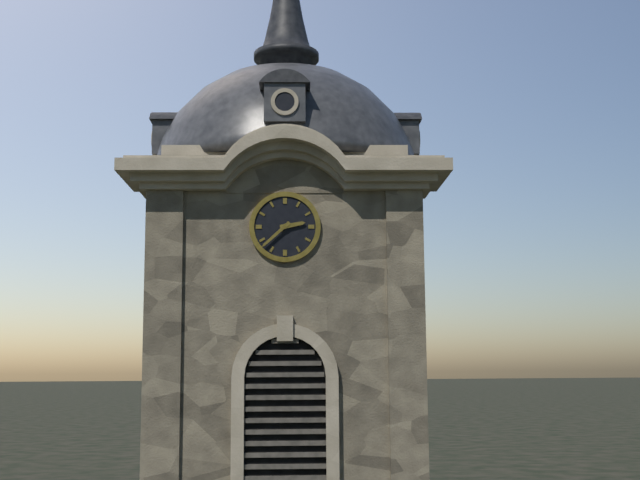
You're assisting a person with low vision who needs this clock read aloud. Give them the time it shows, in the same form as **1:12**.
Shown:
**2:38**
